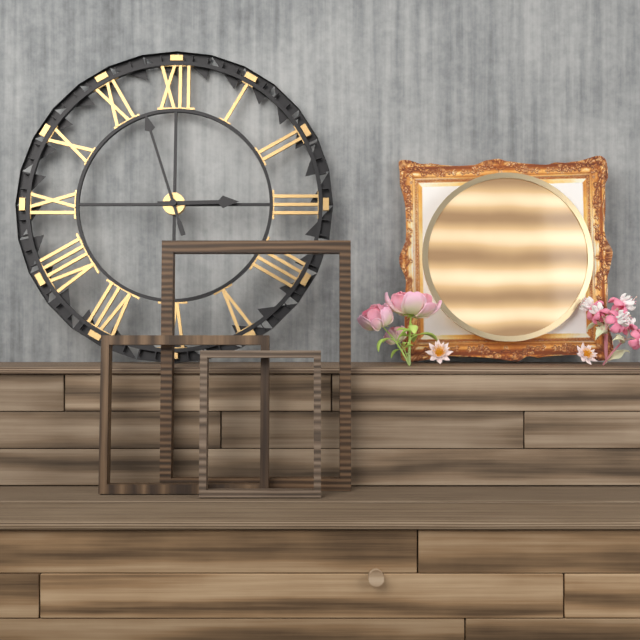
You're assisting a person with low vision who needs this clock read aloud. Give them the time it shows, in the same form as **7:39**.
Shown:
**2:57**
